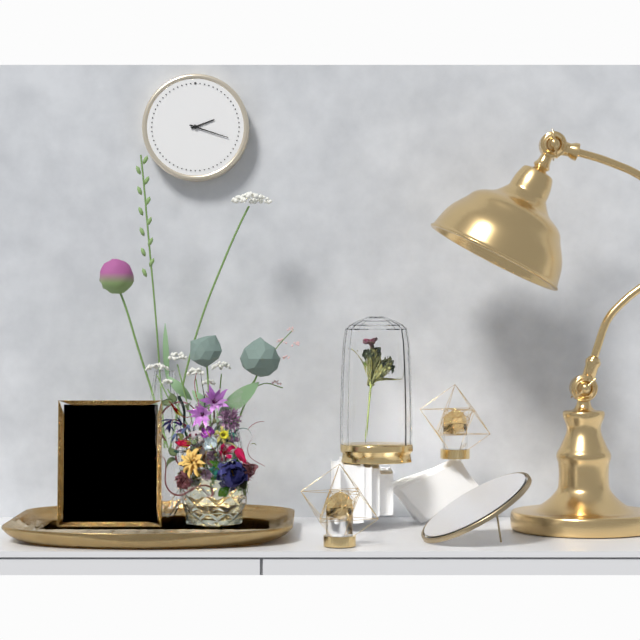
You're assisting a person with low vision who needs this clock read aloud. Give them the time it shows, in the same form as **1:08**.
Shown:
**2:18**
